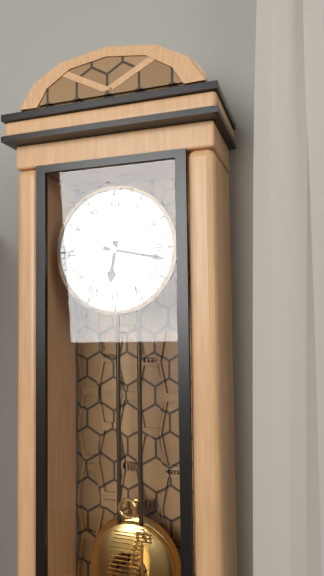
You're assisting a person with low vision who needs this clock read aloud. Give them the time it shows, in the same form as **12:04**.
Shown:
**6:17**
